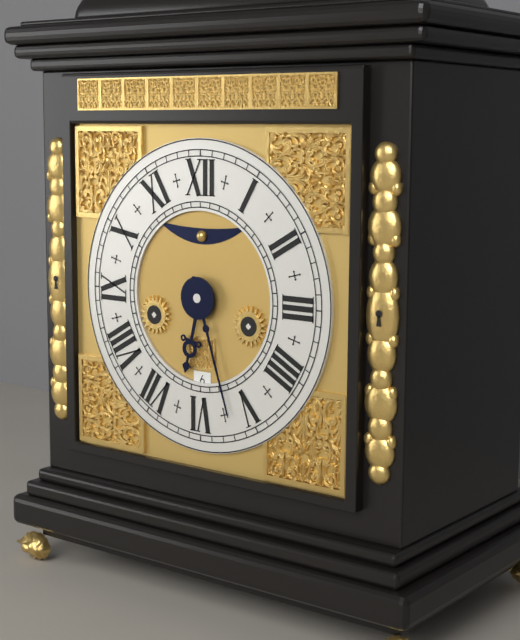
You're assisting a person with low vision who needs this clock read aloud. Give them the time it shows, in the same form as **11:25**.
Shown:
**6:27**
